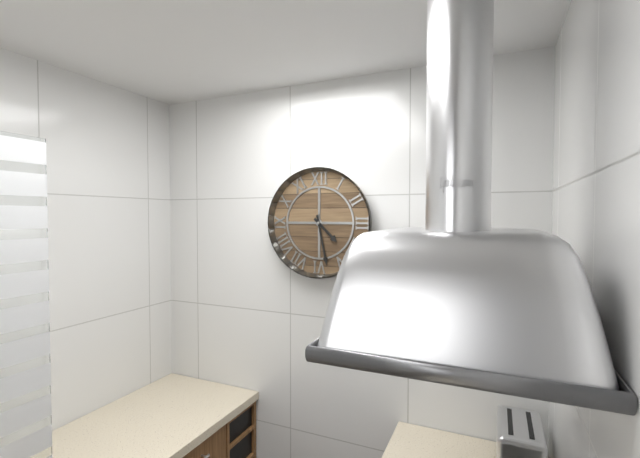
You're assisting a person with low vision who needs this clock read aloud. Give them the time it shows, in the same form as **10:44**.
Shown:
**4:28**
